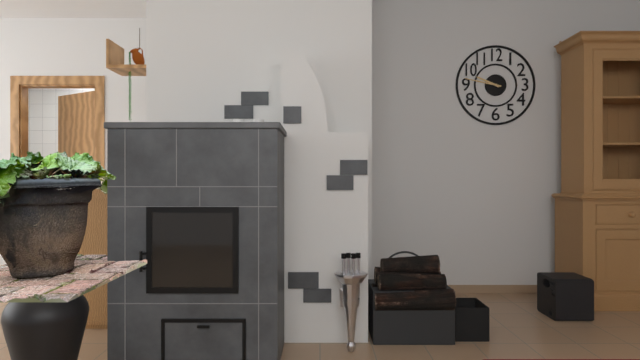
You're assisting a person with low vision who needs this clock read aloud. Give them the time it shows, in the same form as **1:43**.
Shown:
**9:47**
